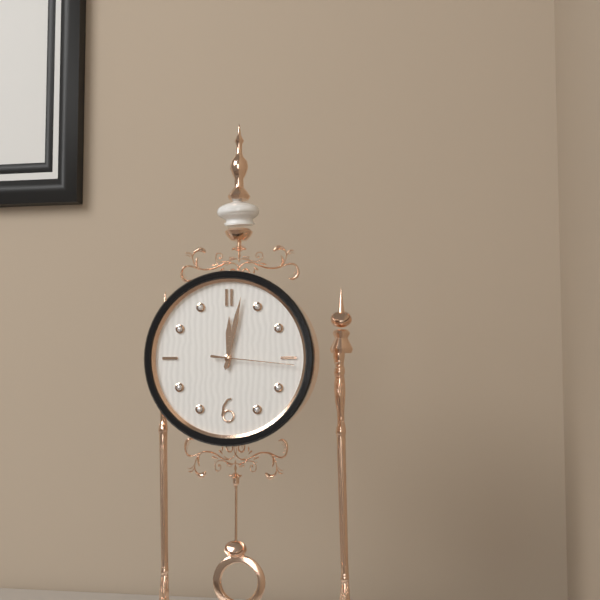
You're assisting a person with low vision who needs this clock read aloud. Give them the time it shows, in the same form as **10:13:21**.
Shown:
**12:02:16**
